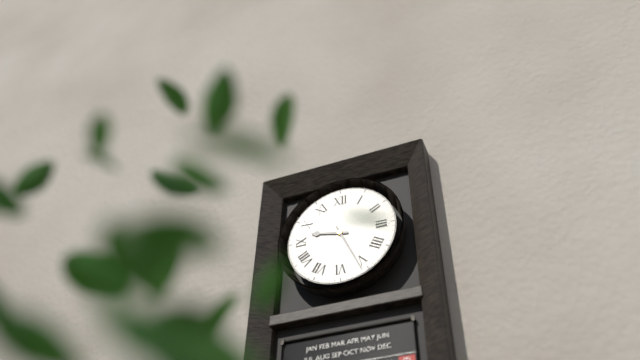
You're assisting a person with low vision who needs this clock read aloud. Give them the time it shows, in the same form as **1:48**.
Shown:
**9:26**
